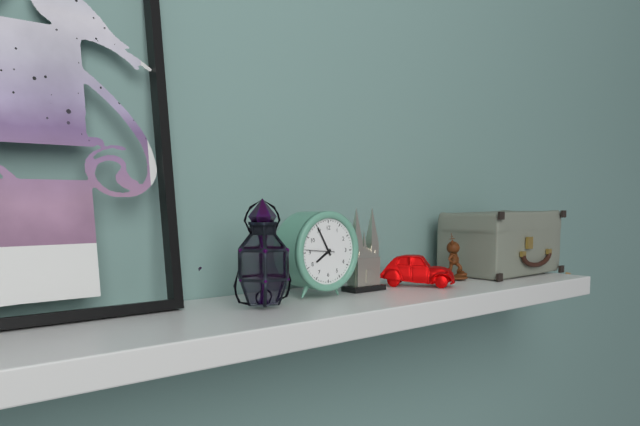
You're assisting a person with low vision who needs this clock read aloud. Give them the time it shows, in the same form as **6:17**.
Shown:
**7:55**
